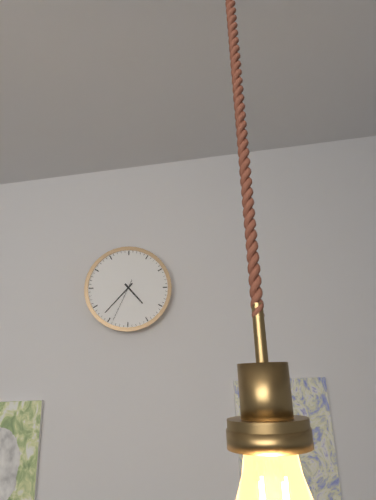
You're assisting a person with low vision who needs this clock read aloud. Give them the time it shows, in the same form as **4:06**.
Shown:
**4:37**
